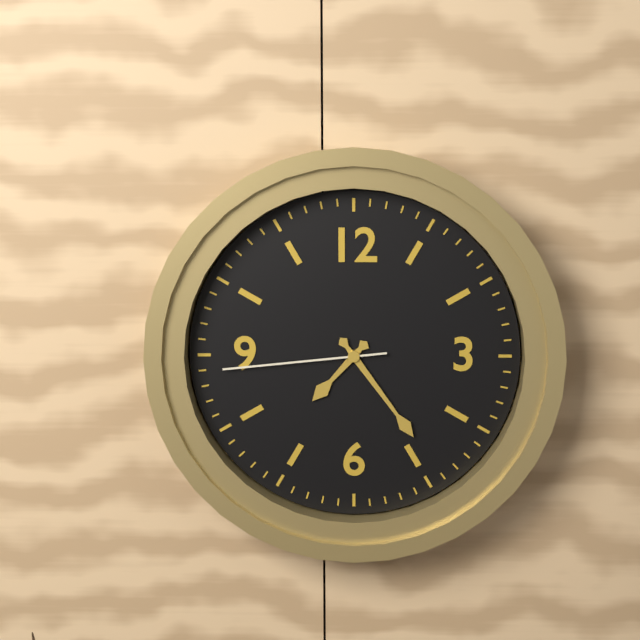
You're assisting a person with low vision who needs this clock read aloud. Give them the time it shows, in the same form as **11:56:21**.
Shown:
**7:24:44**
